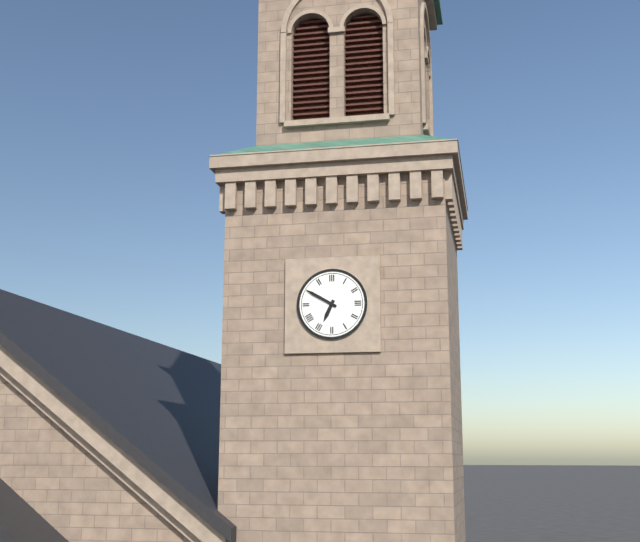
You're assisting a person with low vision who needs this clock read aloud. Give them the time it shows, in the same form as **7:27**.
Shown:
**6:50**
